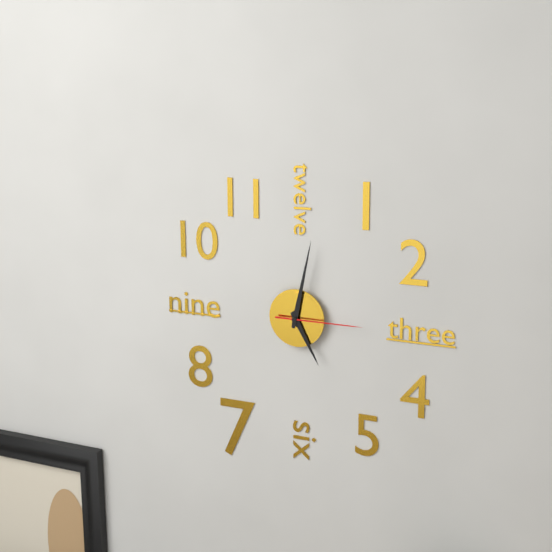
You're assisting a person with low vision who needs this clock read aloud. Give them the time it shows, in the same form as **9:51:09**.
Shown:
**5:02:15**
